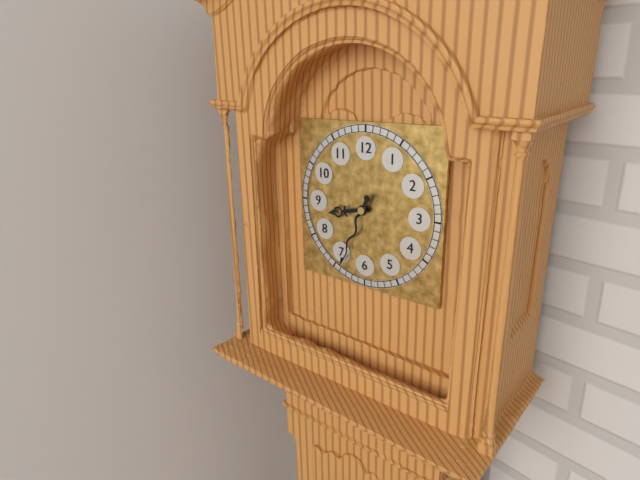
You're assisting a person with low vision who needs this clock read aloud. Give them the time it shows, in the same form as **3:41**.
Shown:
**8:34**
